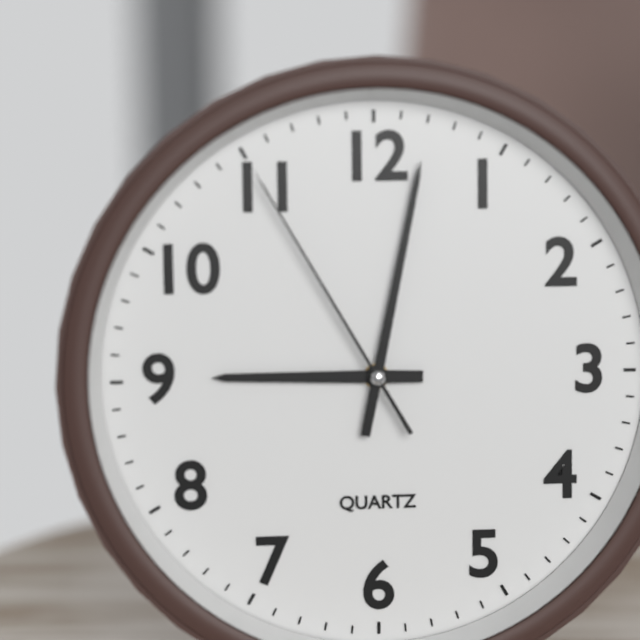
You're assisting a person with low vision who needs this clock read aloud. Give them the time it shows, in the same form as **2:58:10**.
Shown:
**9:02:55**
